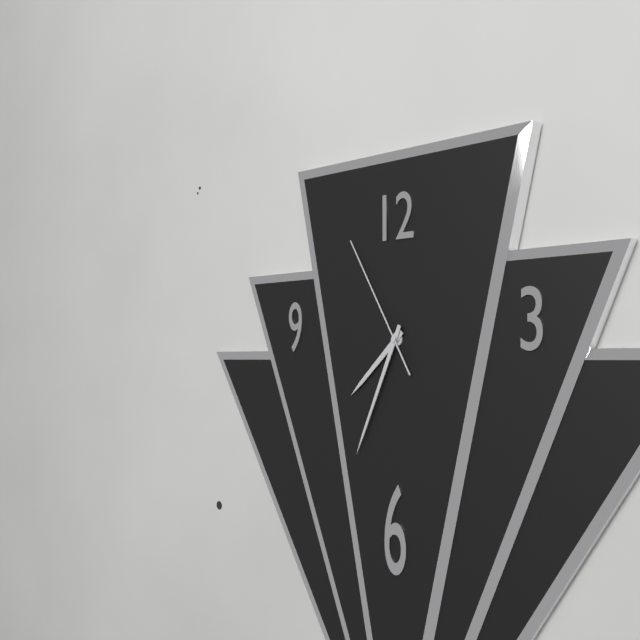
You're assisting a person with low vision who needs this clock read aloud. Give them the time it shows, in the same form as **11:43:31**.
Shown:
**7:34:55**
